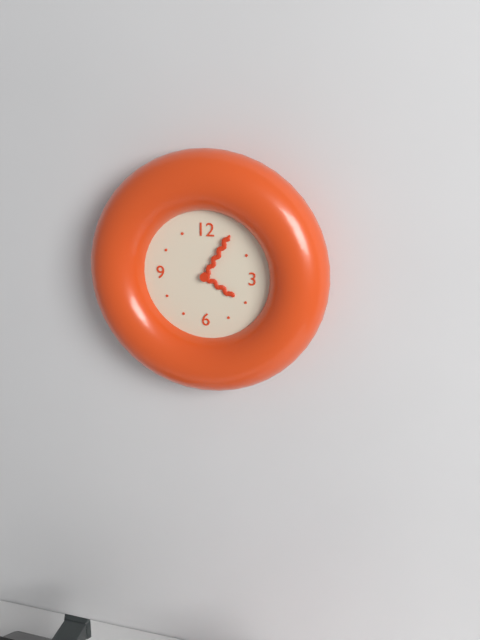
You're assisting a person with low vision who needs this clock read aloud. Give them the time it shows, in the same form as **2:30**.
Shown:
**4:05**
